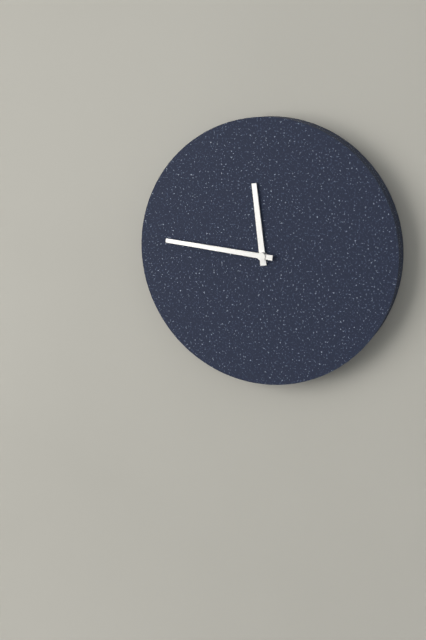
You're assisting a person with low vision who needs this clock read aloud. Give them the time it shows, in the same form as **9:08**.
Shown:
**11:46**
